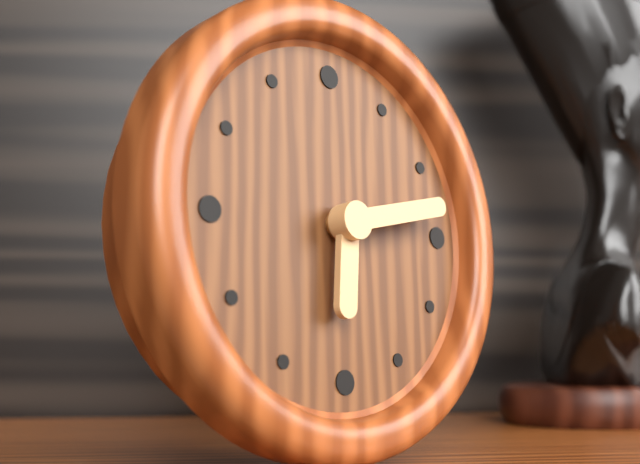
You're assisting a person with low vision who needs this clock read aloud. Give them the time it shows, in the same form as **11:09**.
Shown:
**6:13**
